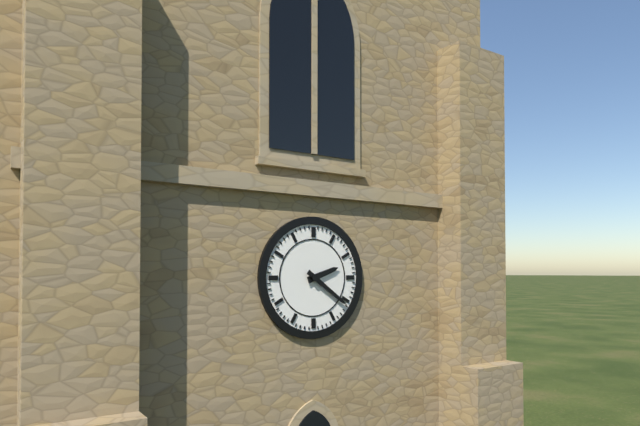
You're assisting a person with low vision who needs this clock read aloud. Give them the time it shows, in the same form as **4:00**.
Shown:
**2:21**
